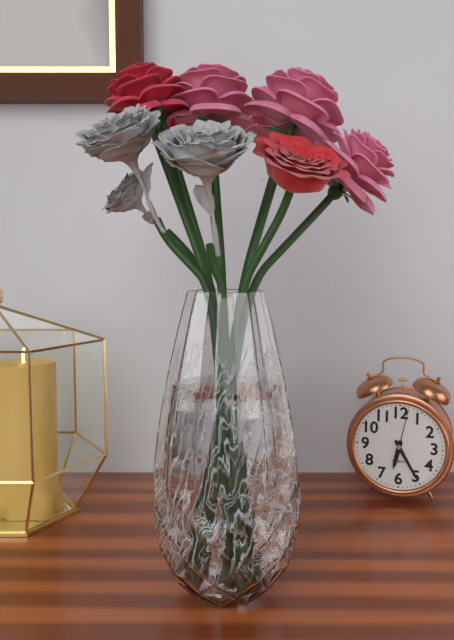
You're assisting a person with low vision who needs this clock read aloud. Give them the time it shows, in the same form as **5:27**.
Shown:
**6:25**
